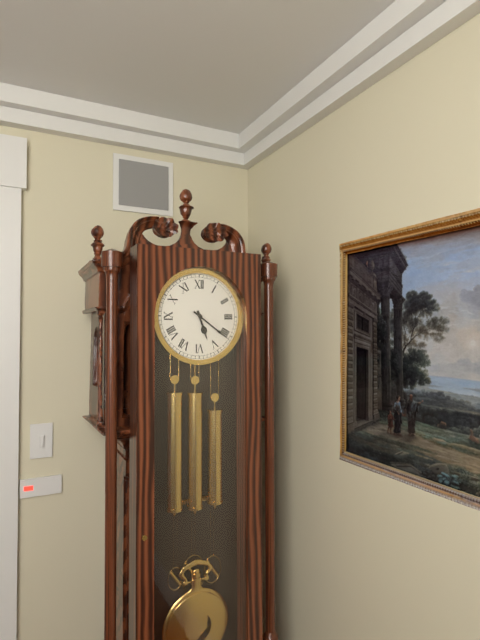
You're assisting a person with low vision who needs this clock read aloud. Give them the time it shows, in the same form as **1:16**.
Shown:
**5:21**
